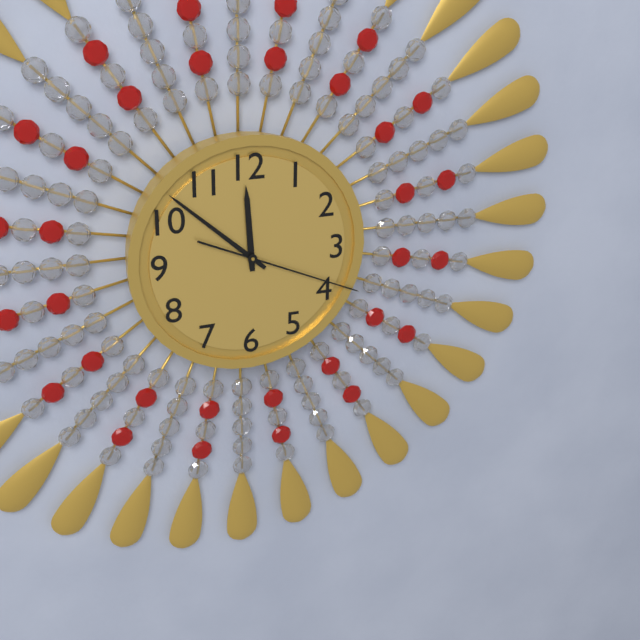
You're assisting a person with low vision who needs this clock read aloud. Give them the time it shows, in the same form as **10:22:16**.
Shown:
**11:52:19**
